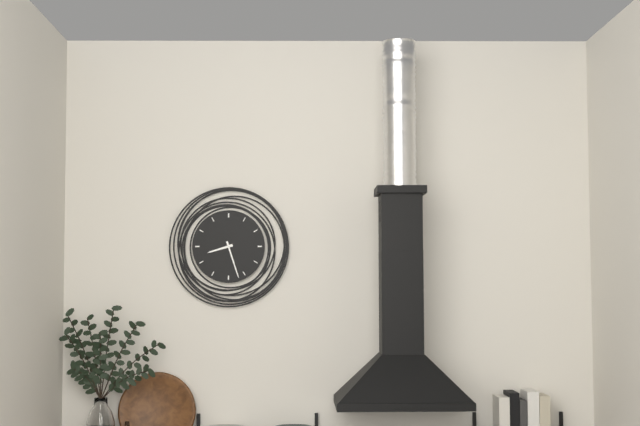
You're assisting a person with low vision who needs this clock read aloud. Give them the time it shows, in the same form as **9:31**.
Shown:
**8:27**
